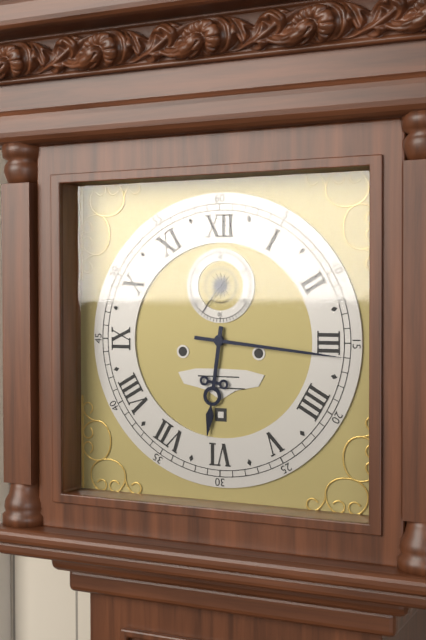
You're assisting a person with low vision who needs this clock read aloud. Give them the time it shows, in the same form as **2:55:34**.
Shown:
**6:16:36**
